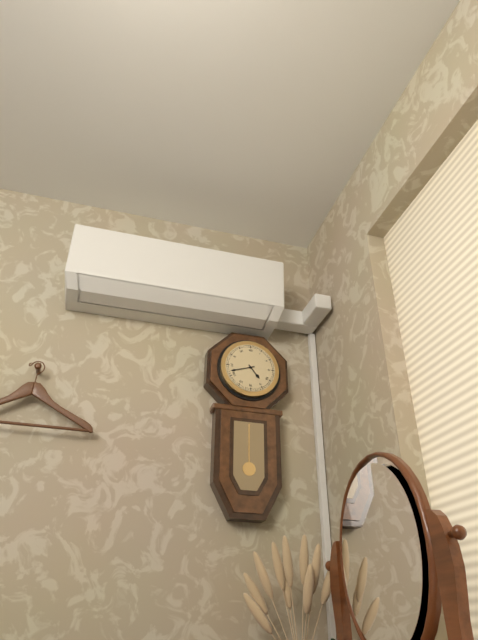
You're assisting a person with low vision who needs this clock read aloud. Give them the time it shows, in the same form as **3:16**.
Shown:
**4:42**
